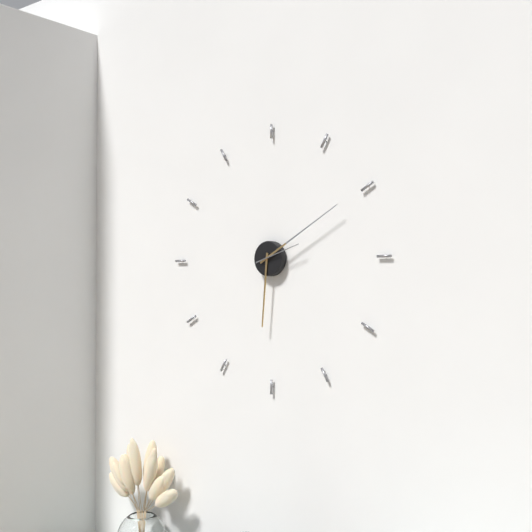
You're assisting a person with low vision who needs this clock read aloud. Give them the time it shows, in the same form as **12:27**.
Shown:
**6:10**
